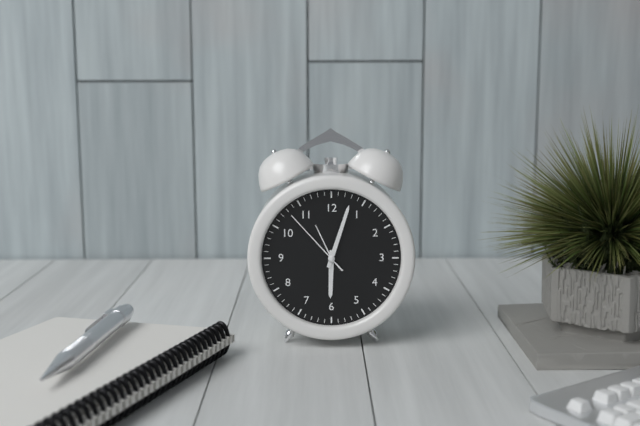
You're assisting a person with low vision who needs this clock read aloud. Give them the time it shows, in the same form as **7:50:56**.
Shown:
**6:03:53**
